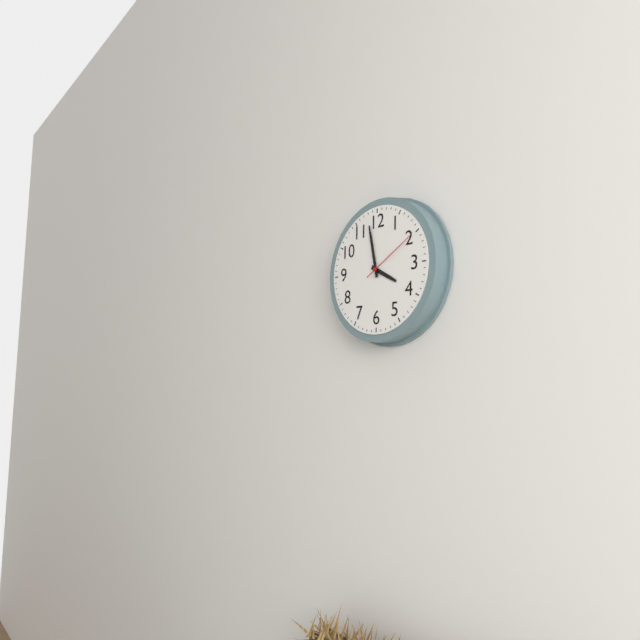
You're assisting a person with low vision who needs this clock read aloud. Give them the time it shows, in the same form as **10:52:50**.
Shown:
**3:58:10**
